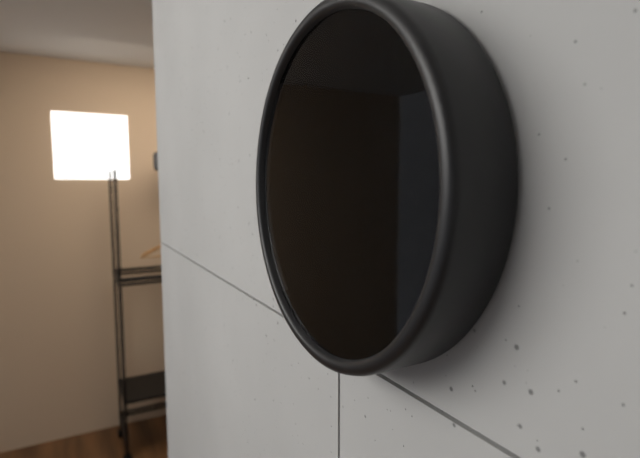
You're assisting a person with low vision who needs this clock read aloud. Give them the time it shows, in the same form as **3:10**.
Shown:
**12:29**
